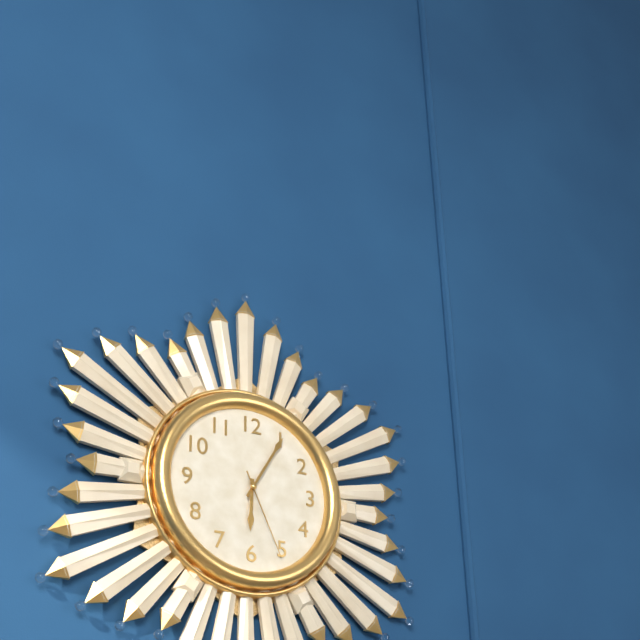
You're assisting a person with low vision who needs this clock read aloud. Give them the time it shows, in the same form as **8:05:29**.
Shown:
**6:05:26**
